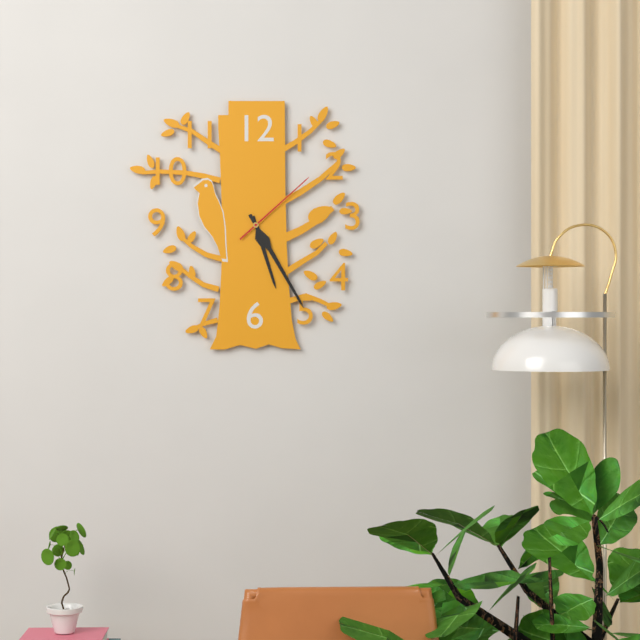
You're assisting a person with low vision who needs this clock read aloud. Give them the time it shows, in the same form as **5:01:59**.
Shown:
**5:25:08**
